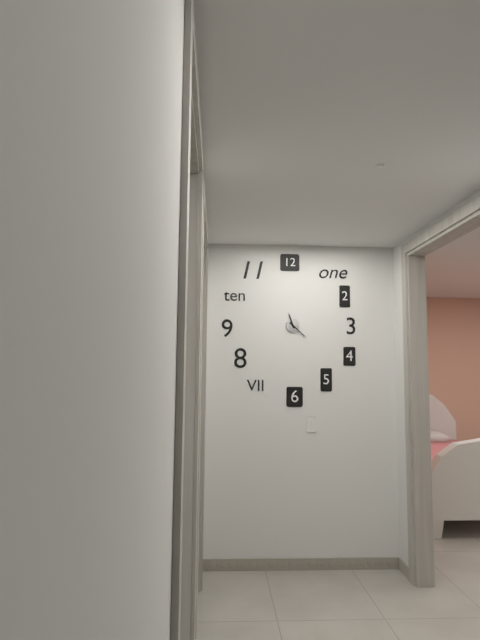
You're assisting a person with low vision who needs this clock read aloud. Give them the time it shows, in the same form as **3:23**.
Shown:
**11:22**
